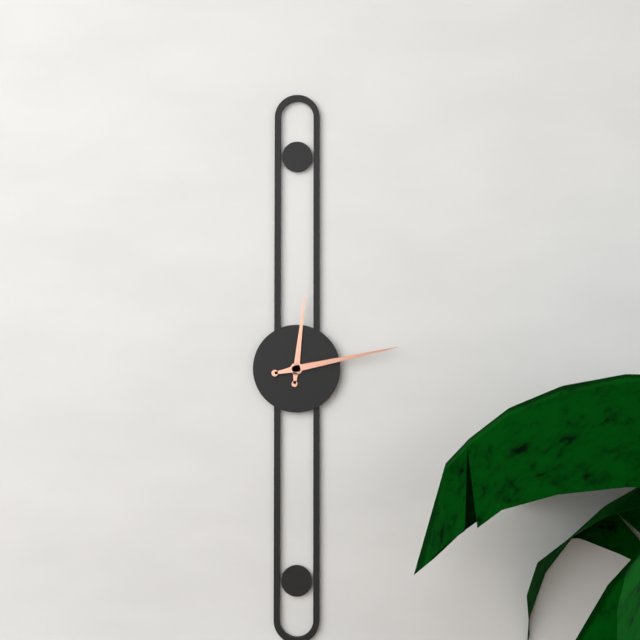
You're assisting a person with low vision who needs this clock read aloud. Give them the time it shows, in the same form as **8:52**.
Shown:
**12:13**
